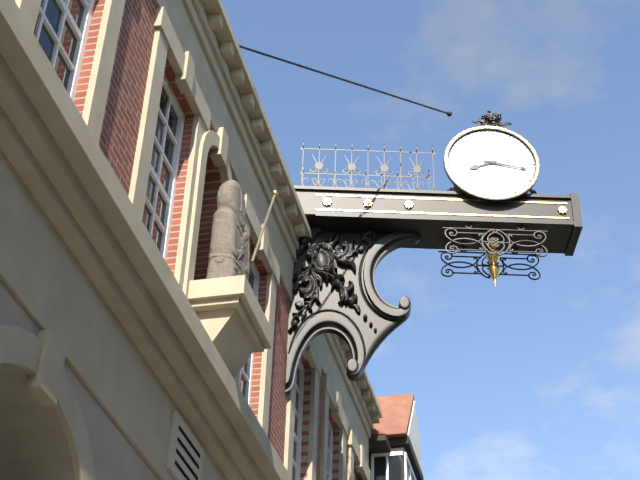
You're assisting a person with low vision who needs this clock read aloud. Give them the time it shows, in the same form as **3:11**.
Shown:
**8:17**
